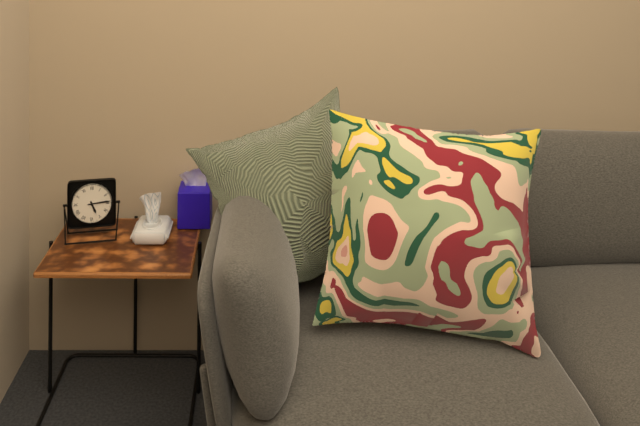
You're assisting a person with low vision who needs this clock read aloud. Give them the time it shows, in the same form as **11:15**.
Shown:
**5:14**
